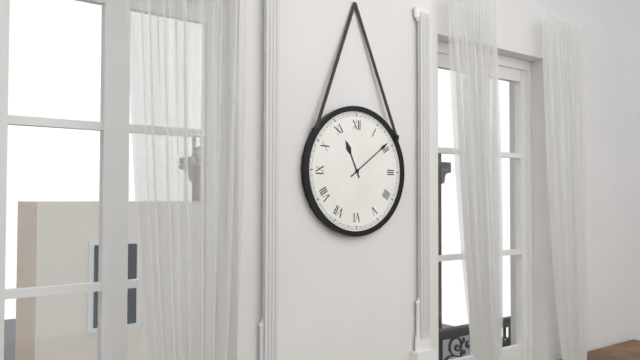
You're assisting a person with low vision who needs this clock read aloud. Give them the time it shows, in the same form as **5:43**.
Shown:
**11:09**
